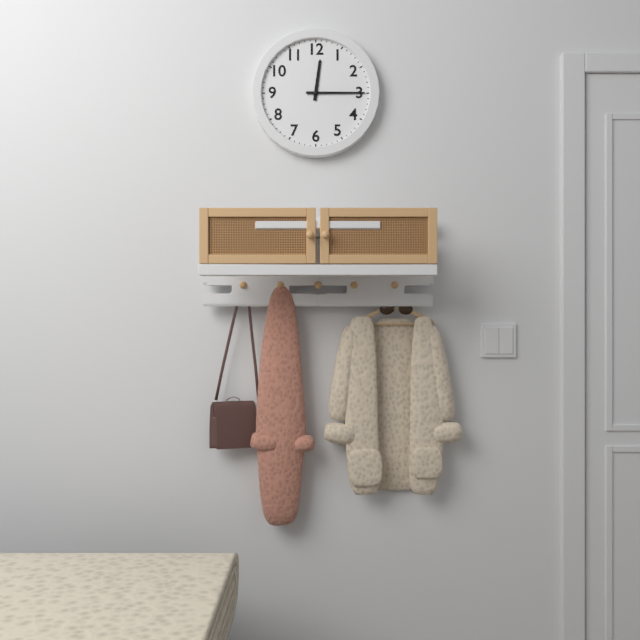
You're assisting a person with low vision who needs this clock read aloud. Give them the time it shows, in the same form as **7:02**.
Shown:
**12:15**
